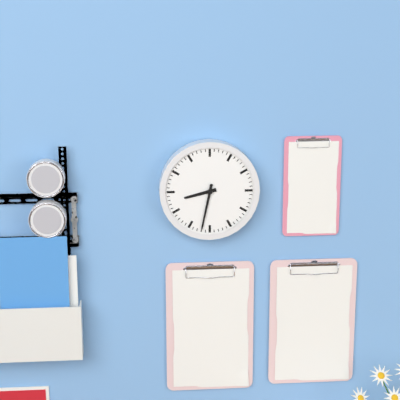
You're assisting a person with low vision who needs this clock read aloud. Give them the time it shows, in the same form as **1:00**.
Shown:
**8:32**
